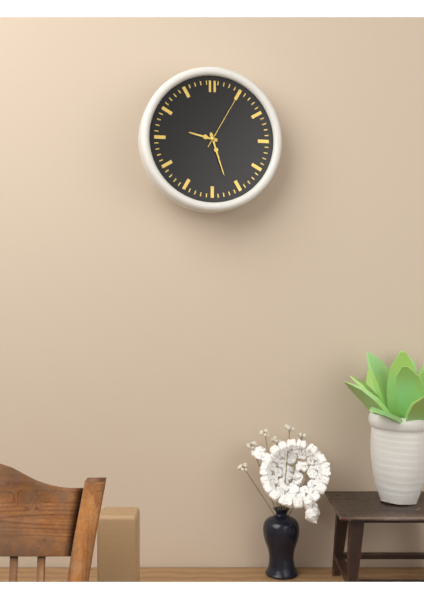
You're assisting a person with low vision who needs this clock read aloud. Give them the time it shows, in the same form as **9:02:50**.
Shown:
**9:27:05**
